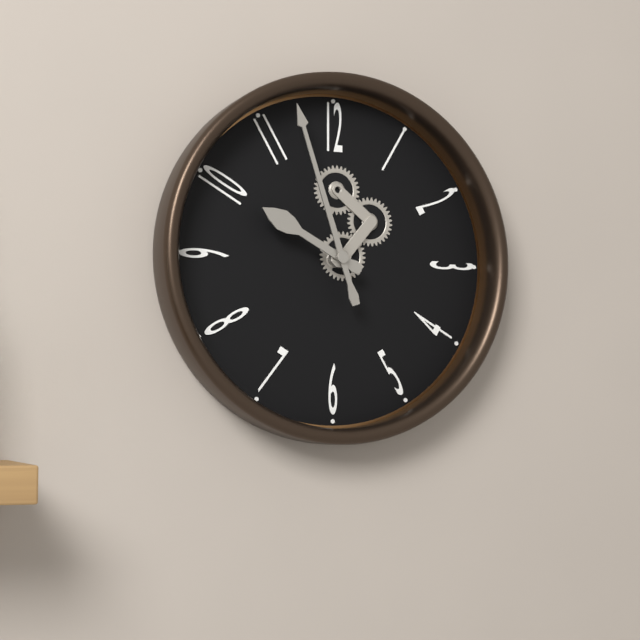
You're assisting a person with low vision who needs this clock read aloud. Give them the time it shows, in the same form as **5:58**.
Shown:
**9:57**
